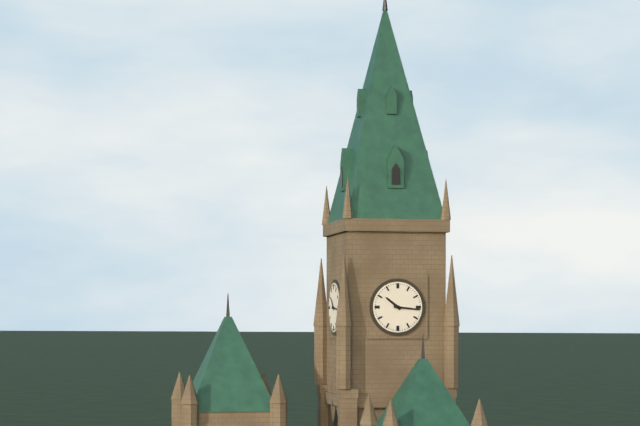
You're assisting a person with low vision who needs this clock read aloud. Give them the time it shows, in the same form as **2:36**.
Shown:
**10:16**
